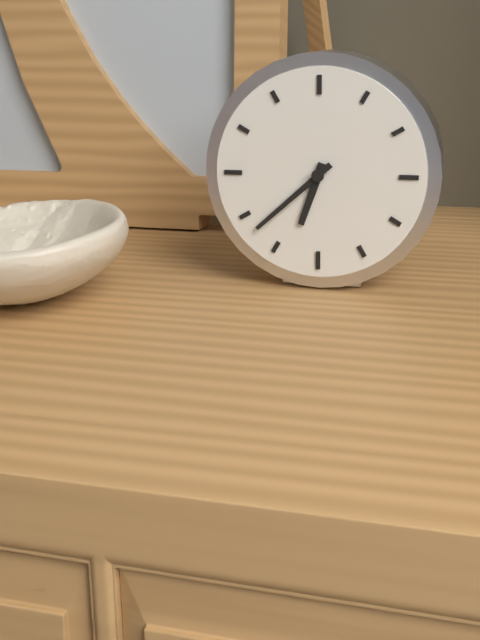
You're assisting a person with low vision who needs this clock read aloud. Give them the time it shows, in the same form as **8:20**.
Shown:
**6:38**
